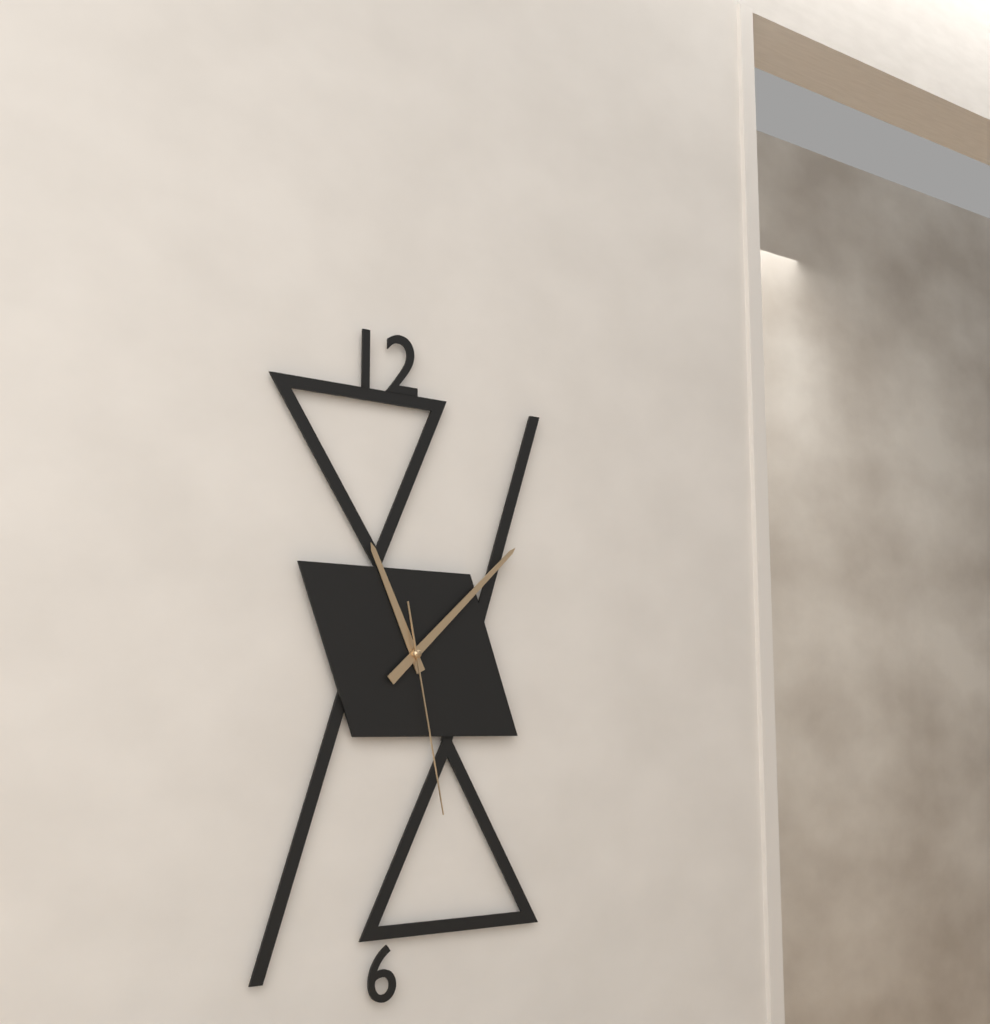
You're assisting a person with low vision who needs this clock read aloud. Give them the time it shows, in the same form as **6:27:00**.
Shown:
**11:08:28**
